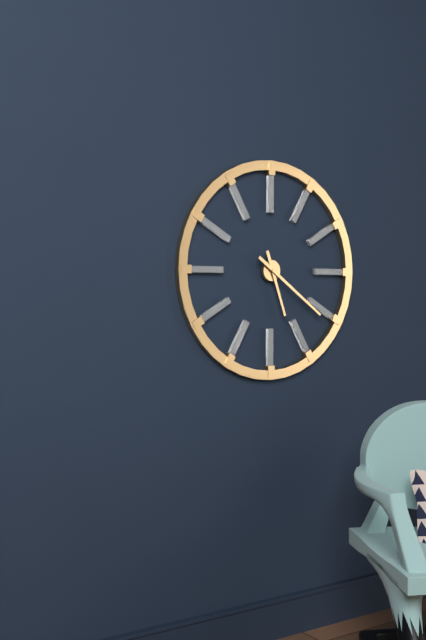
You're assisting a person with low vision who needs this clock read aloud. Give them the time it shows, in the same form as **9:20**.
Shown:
**5:21**
